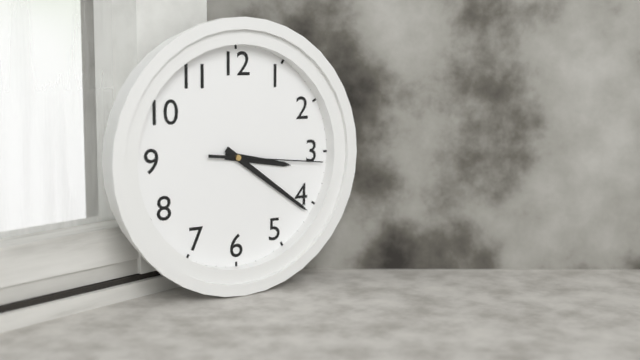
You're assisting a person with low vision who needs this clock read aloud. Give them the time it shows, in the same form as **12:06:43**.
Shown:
**3:21:16**
